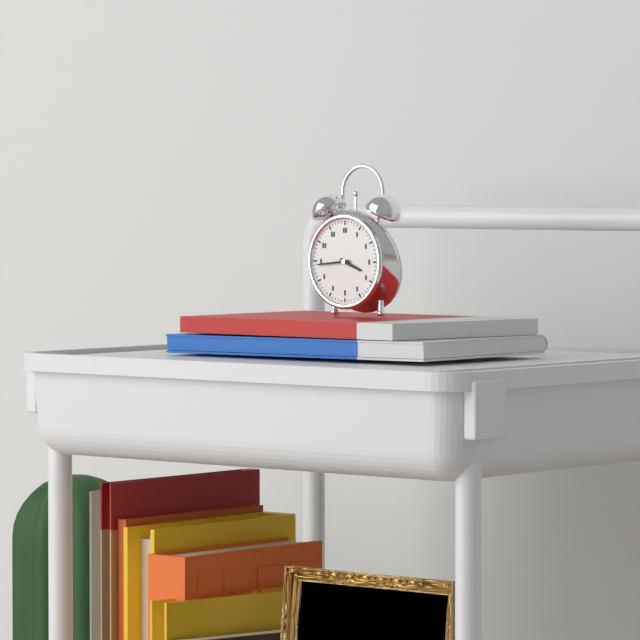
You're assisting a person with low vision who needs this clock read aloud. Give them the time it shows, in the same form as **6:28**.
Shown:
**3:44**
